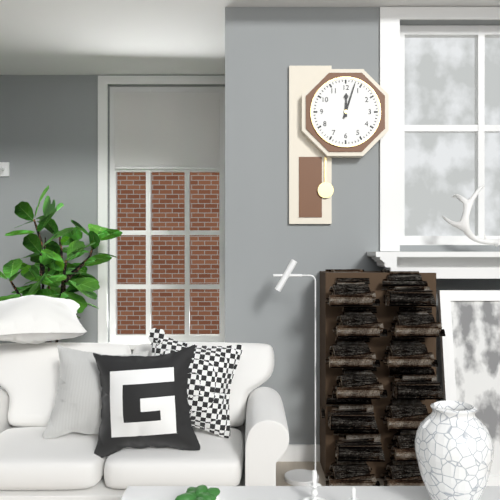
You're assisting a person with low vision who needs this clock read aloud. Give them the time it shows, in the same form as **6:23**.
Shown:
**12:03**
